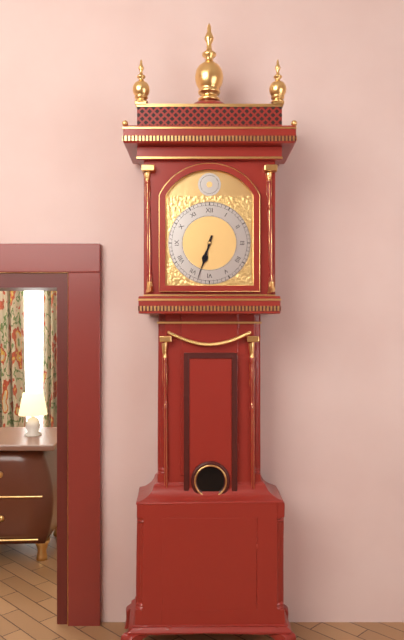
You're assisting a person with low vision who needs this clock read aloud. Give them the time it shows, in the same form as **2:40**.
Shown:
**6:33**
